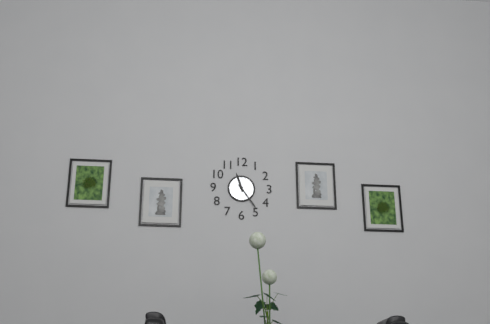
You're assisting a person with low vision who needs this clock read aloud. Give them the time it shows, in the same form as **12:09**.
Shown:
**11:24**
